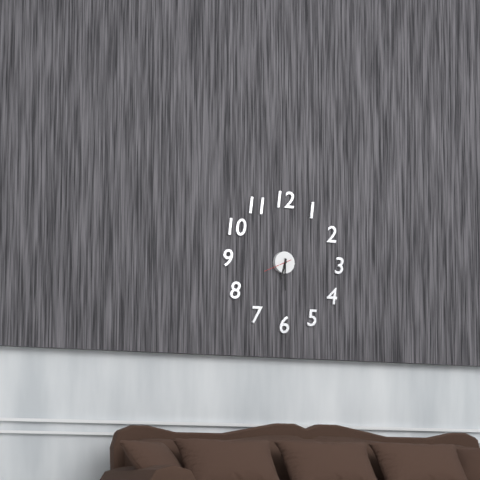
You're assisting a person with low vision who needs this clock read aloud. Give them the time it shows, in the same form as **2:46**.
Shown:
**6:30**
